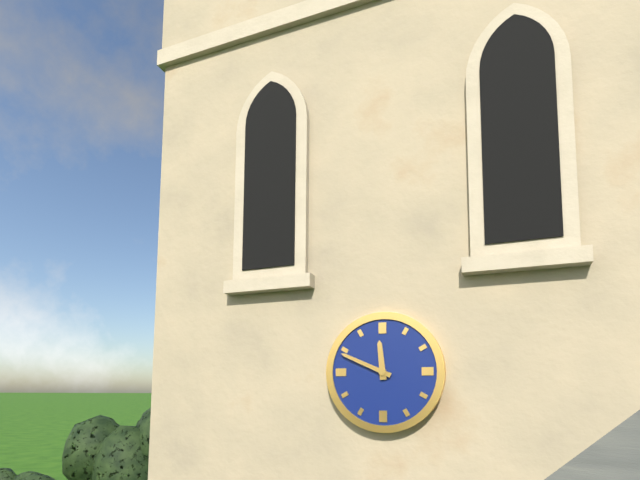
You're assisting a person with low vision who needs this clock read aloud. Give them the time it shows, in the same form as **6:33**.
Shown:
**11:49**
